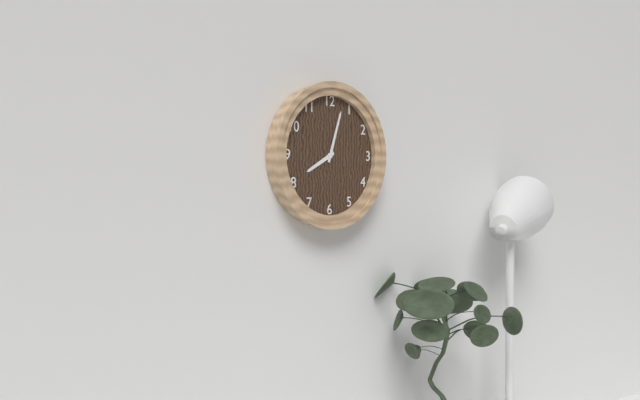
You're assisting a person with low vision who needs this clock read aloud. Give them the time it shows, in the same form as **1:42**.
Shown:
**8:03**
